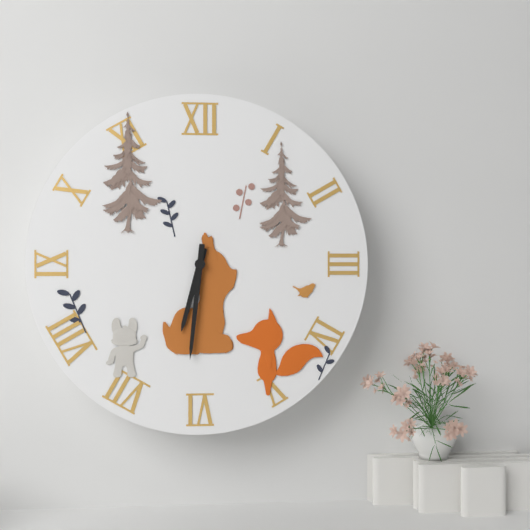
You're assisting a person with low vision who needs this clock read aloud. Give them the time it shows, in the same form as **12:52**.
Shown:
**6:31**
